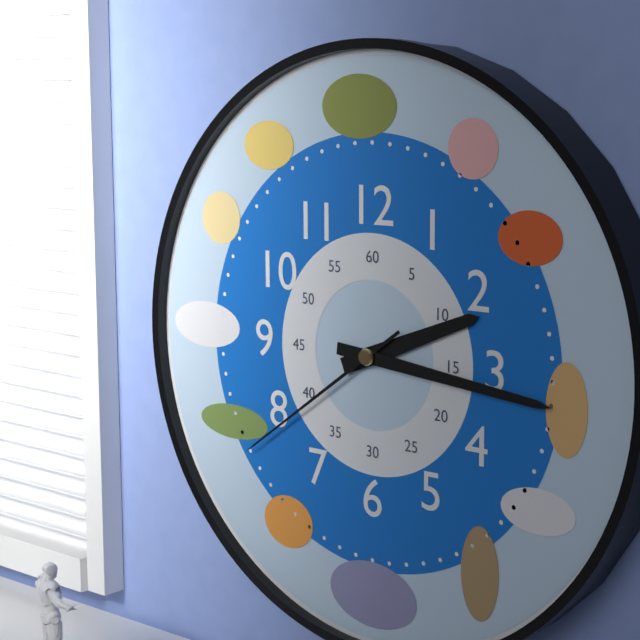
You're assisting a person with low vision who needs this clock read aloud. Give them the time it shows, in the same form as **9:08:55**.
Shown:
**2:16:39**
